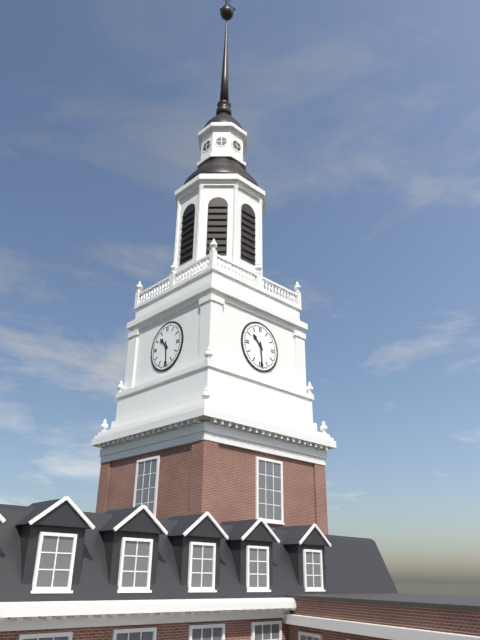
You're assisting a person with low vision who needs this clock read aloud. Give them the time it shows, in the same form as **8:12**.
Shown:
**10:29**
